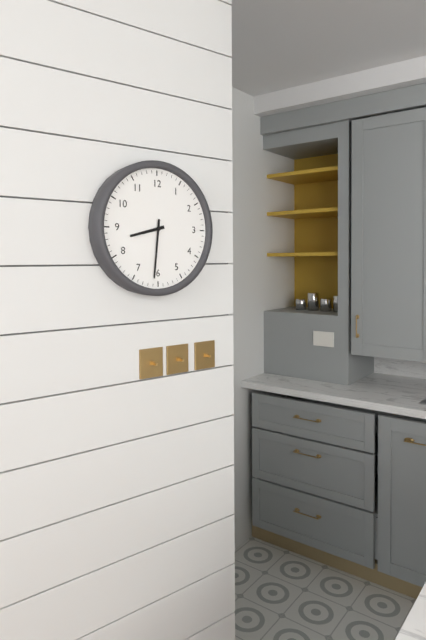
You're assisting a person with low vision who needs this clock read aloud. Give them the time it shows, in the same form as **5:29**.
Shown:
**8:31**
